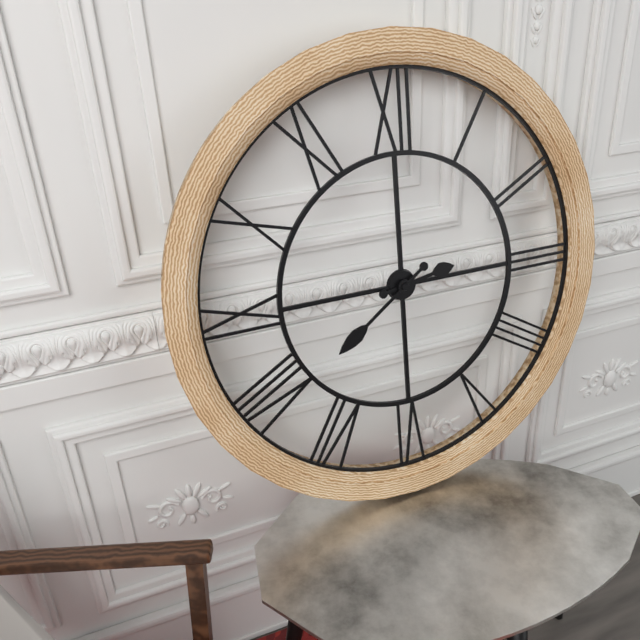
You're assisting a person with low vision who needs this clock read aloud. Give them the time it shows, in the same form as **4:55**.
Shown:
**2:39**
